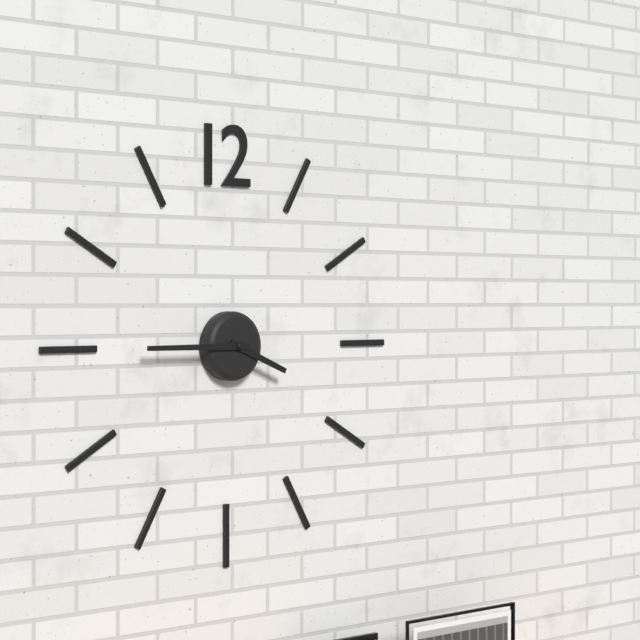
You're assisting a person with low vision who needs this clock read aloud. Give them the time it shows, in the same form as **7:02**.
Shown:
**3:45**
